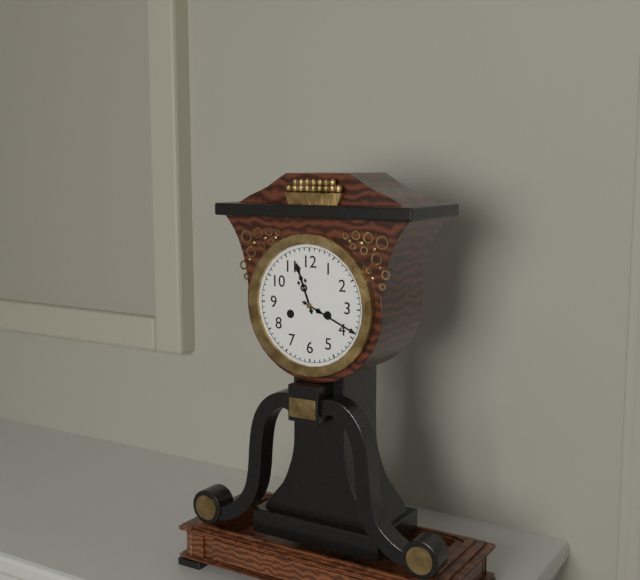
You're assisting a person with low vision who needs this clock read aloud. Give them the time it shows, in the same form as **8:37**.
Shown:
**11:19**
